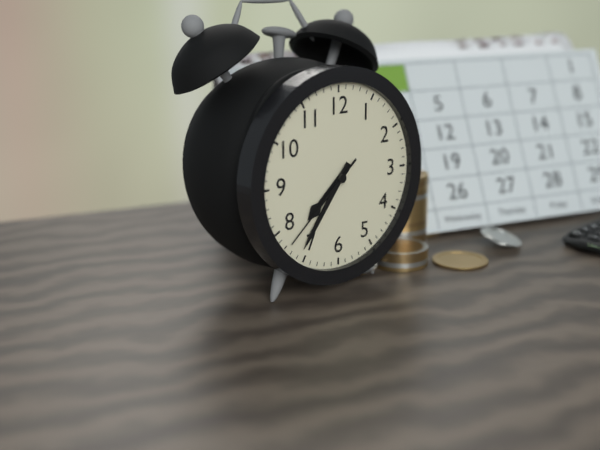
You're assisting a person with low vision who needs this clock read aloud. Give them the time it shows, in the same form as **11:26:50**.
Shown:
**7:36:38**
